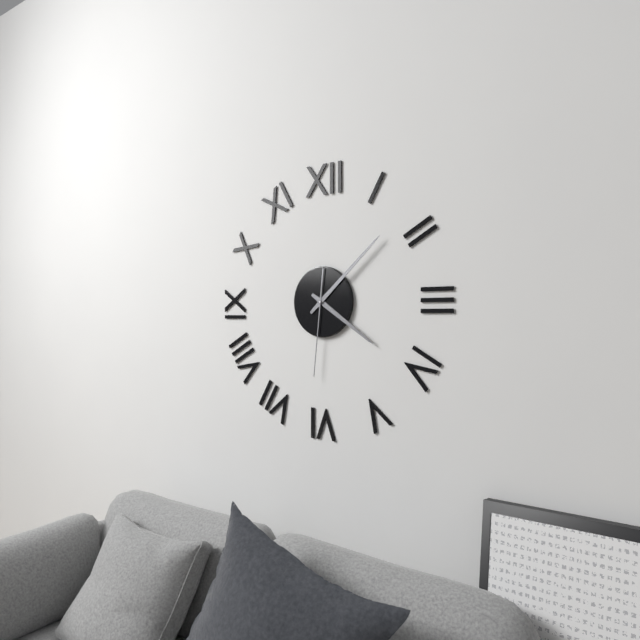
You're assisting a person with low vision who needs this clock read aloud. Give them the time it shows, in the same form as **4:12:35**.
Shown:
**4:08:31**
